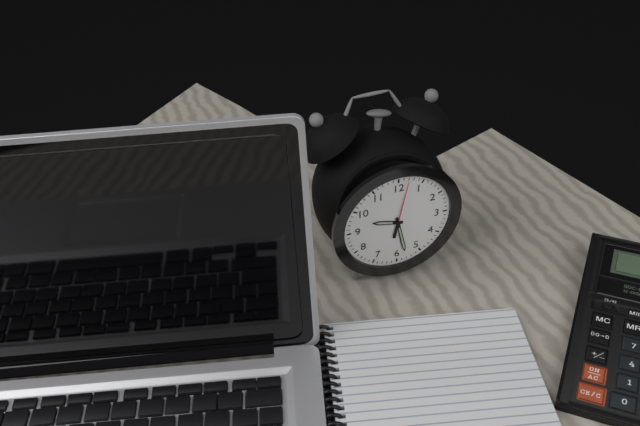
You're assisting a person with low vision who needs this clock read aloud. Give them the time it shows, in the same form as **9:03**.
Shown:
**9:28**
